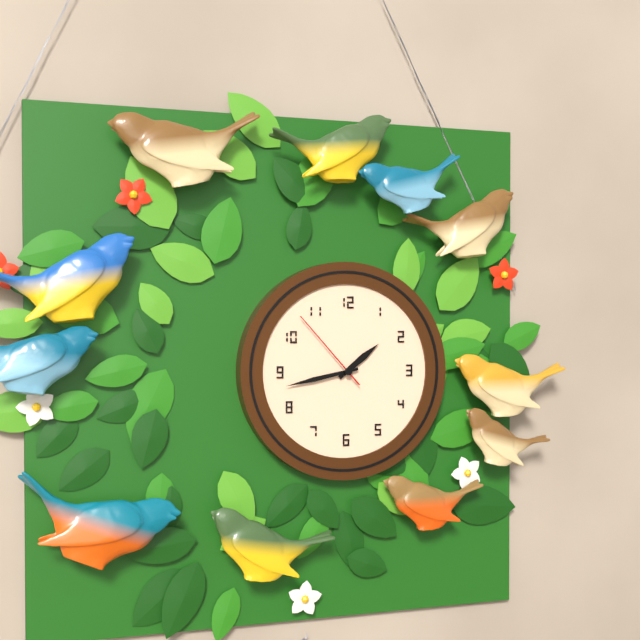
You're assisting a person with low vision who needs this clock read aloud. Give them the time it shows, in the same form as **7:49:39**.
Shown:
**1:43:53**
